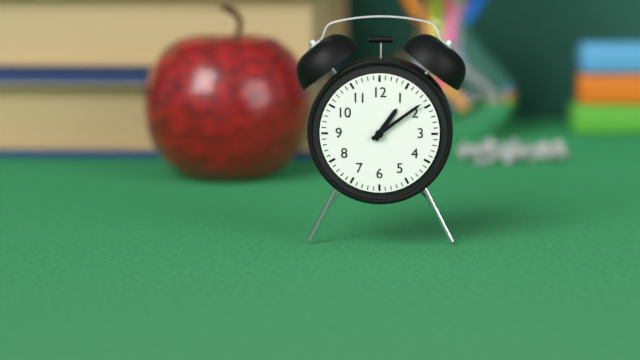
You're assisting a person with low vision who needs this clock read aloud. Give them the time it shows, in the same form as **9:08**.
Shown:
**1:09**
